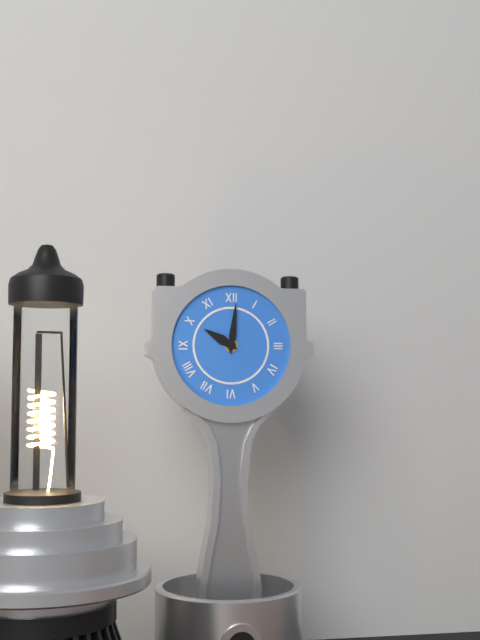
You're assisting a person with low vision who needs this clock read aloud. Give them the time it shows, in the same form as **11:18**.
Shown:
**10:01**
